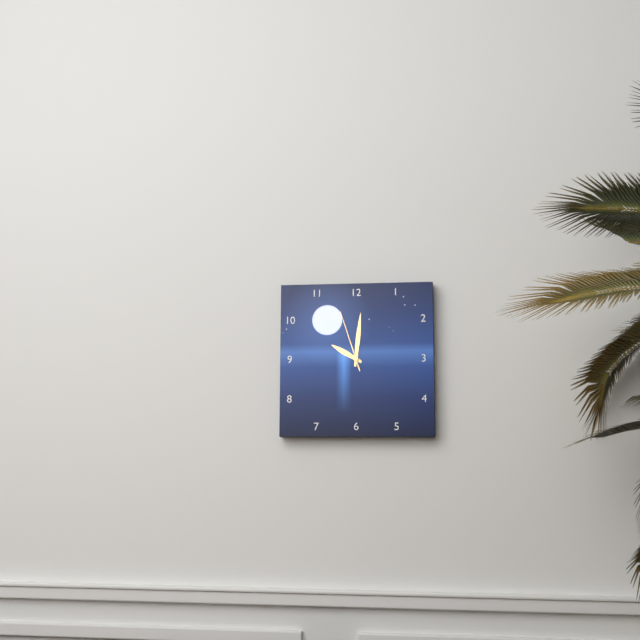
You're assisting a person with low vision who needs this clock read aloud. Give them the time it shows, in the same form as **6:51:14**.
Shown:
**10:01:57**
